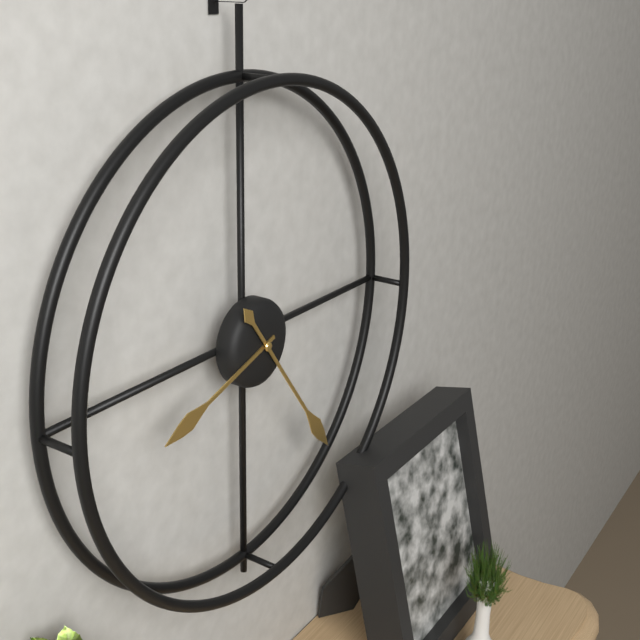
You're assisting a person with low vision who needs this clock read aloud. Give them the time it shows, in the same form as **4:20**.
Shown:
**8:24**
